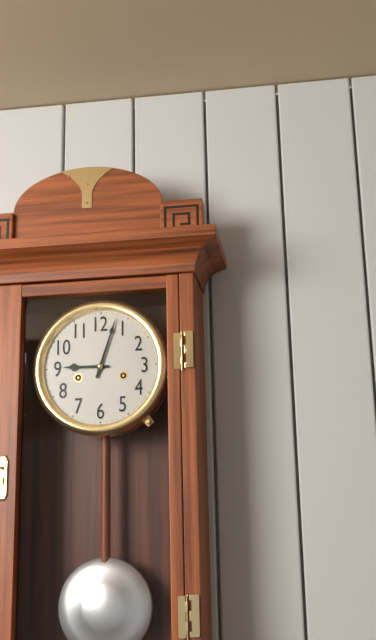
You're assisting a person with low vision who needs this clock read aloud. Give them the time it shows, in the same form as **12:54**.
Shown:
**9:03**
